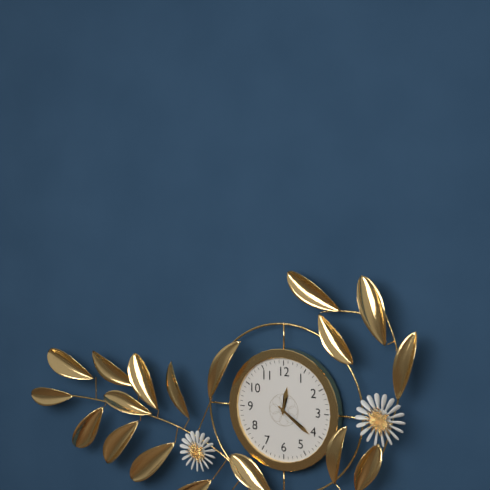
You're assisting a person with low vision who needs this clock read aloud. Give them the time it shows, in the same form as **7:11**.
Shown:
**12:21**
